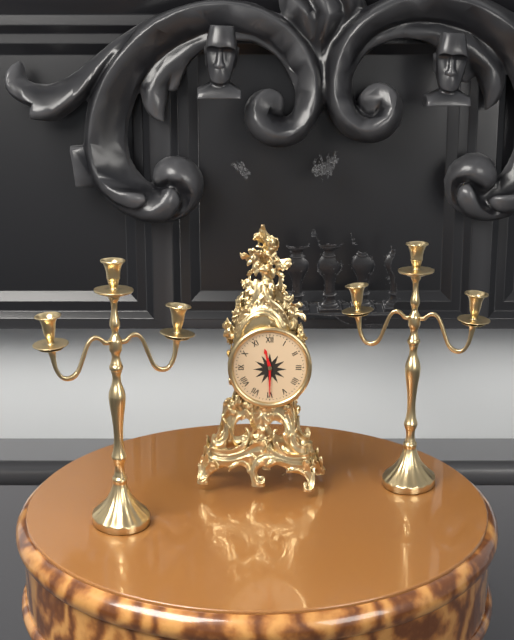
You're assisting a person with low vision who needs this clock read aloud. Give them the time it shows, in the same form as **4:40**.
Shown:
**11:30**
